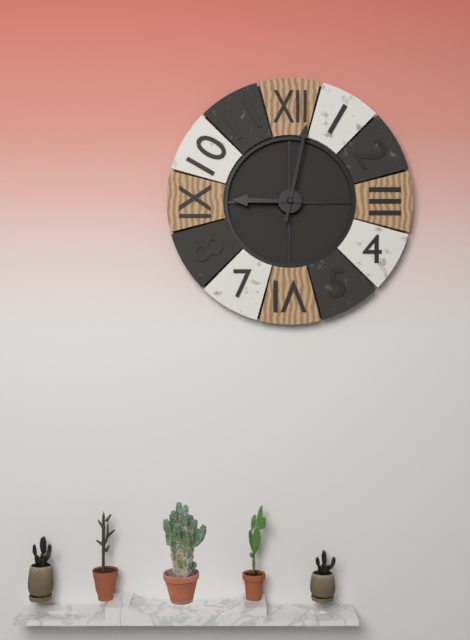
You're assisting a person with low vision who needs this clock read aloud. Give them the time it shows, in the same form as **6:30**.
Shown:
**9:02**
